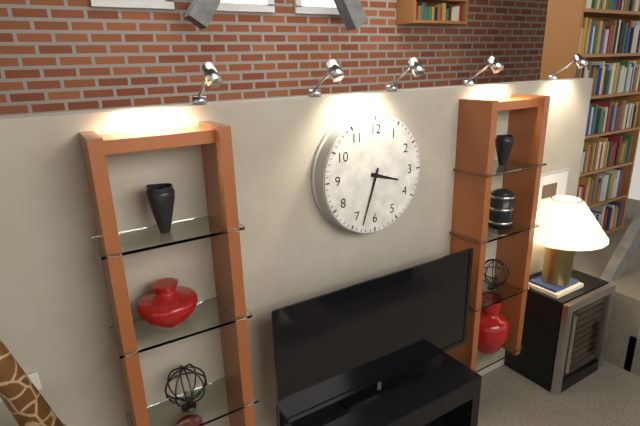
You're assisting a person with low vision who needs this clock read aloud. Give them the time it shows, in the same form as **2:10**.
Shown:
**3:33**
